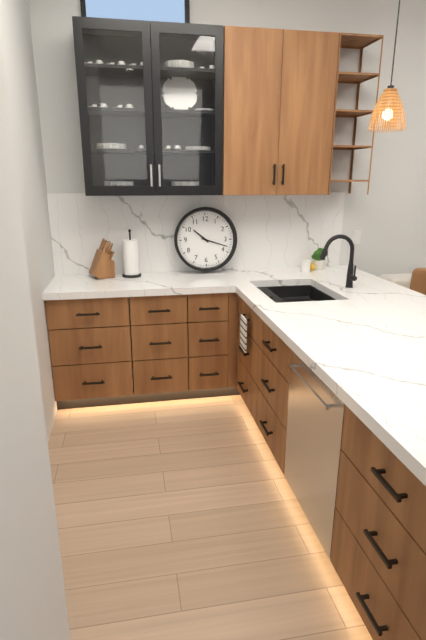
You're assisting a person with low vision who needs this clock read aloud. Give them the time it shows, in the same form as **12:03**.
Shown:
**10:18**
